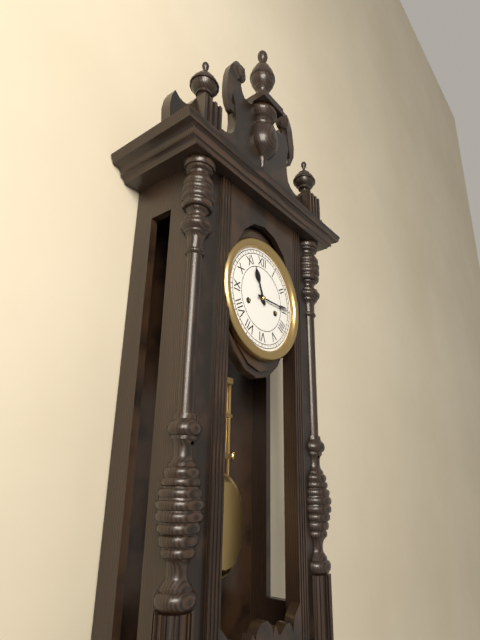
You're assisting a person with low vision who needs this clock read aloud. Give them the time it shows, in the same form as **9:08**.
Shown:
**11:15**
